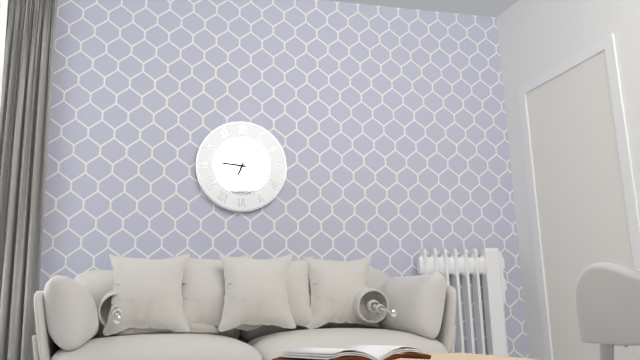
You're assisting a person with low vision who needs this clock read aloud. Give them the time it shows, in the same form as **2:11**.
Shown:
**6:46**
